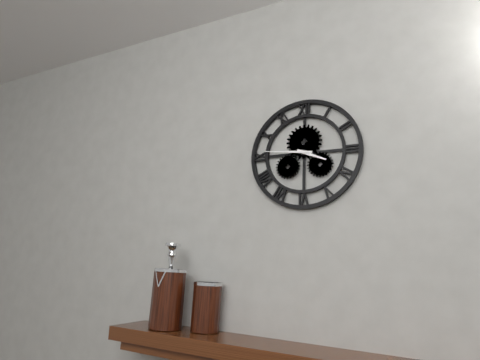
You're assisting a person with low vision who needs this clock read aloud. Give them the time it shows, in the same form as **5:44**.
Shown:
**3:46**
